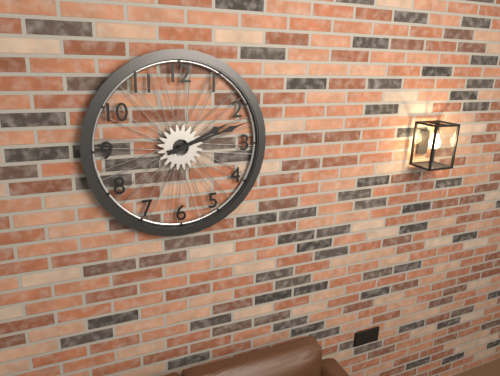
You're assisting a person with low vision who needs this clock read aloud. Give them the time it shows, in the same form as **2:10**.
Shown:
**2:12**
